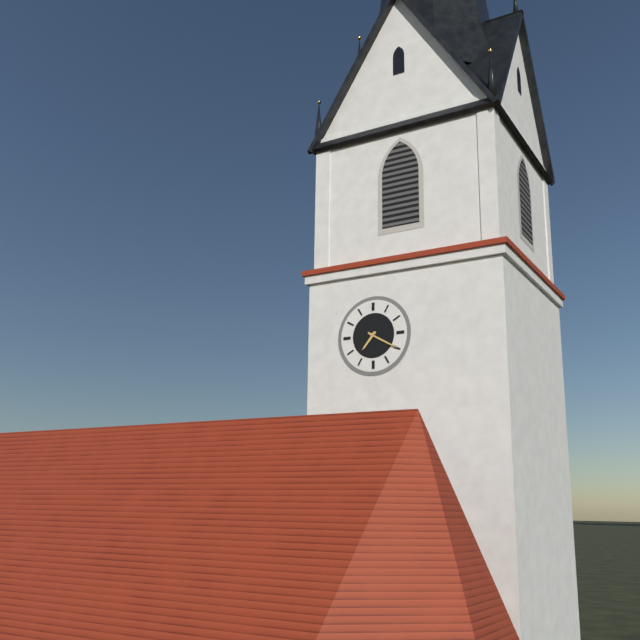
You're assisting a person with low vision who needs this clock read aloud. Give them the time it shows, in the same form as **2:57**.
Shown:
**7:20**
